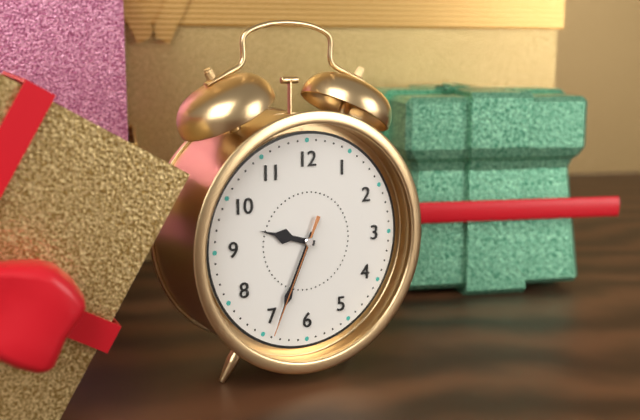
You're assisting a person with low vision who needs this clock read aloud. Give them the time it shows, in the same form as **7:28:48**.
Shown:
**9:34:34**
